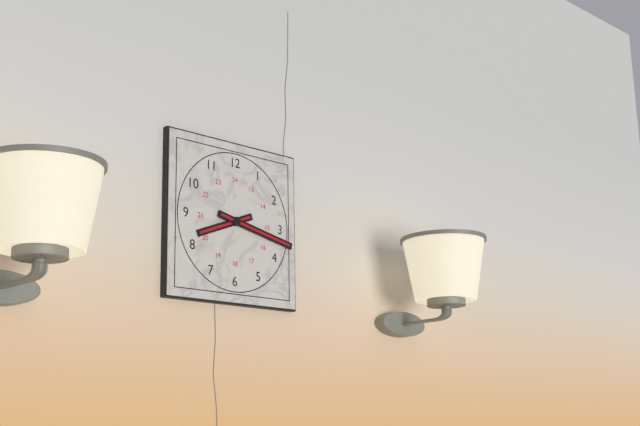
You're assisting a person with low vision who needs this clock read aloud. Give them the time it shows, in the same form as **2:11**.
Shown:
**8:17**
